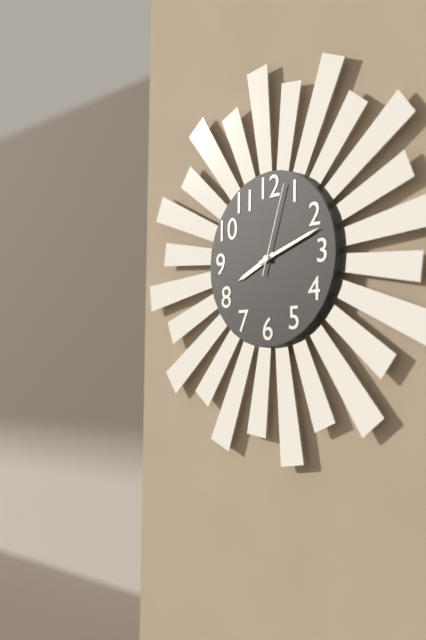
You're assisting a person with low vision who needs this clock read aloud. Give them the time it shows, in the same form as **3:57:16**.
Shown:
**8:12:03**
